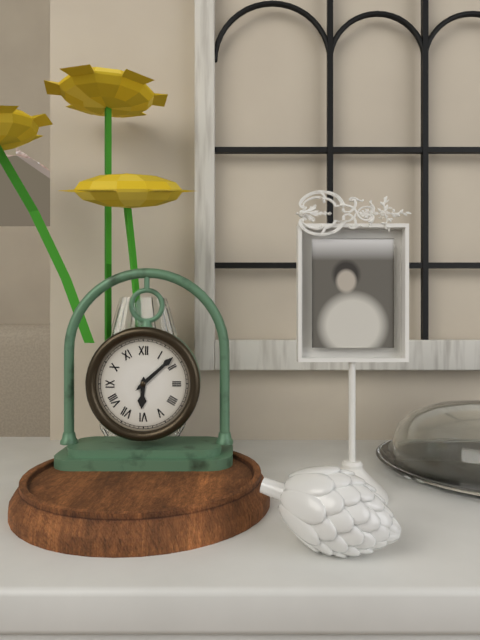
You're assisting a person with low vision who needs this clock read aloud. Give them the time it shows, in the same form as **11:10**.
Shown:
**6:08**
